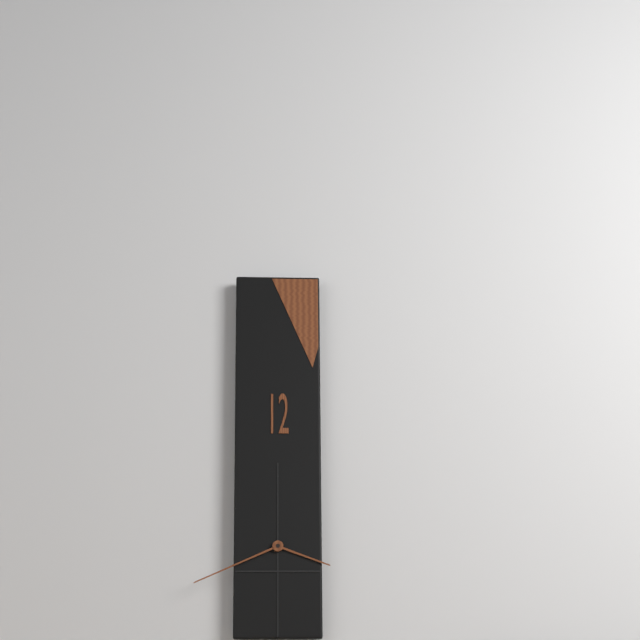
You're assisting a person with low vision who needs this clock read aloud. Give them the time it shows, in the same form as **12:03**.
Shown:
**3:41**
